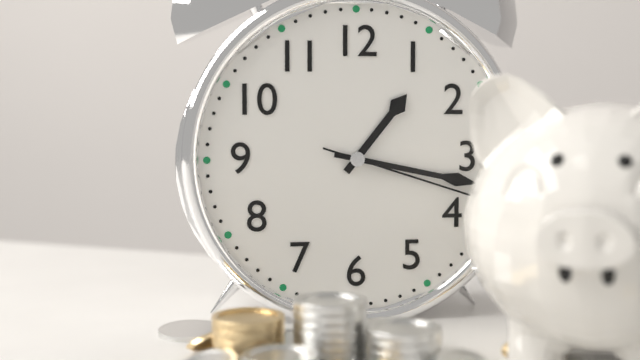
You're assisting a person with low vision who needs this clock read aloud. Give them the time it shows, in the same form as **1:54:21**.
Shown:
**1:17:18**
